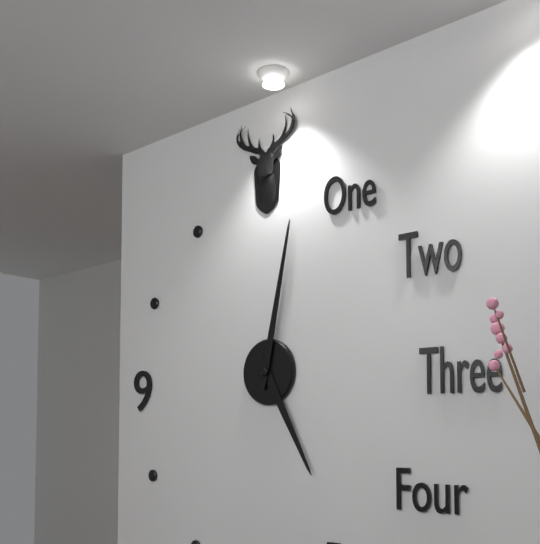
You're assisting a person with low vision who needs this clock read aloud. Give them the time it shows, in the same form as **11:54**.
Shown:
**5:02**
